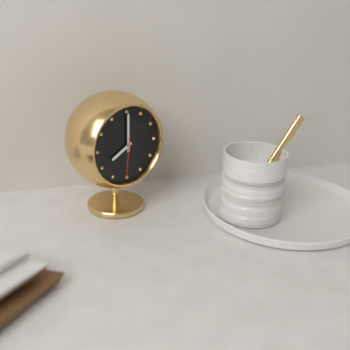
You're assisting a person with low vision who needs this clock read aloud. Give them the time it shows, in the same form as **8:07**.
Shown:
**8:00**
